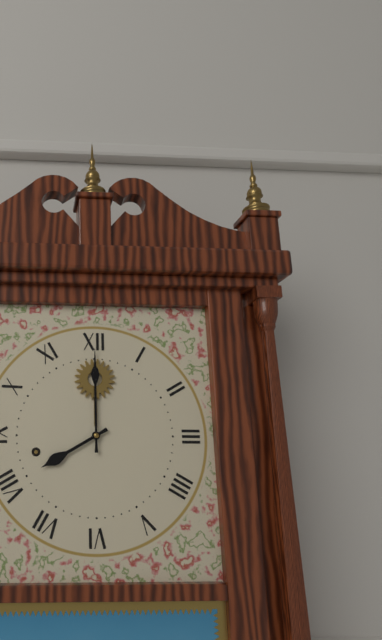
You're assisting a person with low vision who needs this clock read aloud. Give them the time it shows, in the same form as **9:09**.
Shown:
**8:00**
